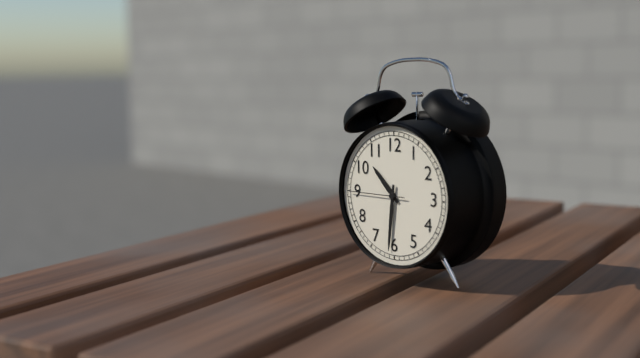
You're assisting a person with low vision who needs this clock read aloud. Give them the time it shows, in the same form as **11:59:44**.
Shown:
**10:31:45**
